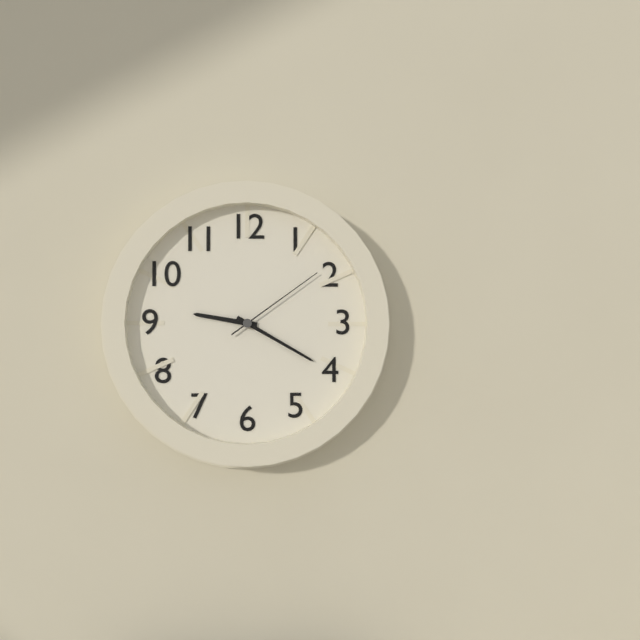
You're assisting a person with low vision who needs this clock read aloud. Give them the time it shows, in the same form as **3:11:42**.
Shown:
**9:20:09**
